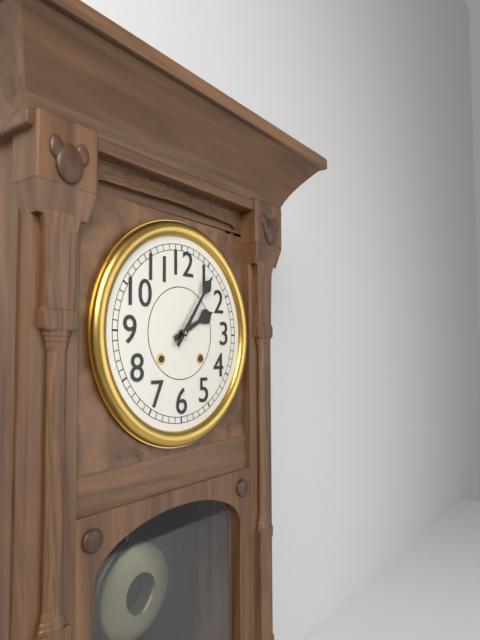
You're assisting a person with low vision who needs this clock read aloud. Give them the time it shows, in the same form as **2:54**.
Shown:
**2:06**
